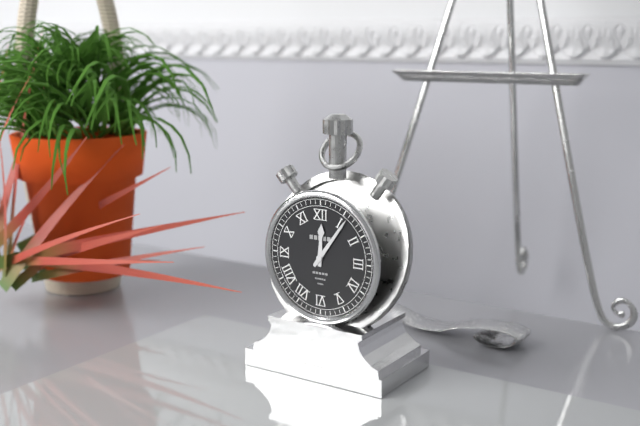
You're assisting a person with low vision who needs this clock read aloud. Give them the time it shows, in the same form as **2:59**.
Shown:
**12:06**
